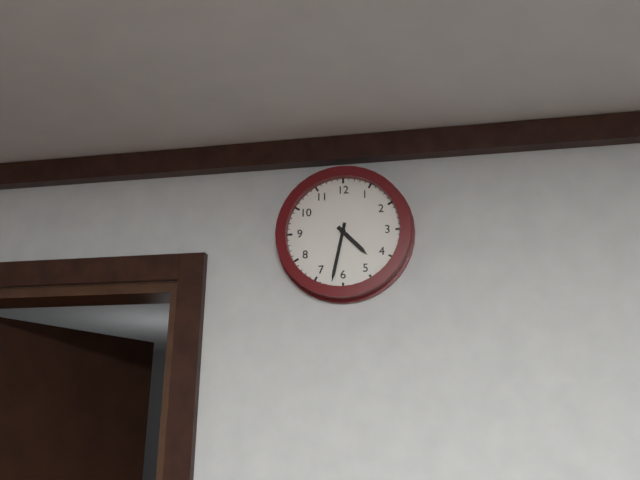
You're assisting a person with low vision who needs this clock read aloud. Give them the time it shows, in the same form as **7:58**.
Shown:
**4:32**
